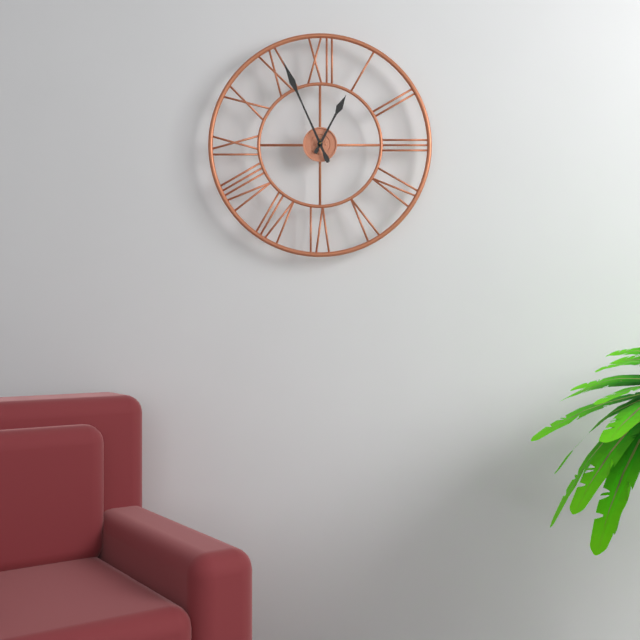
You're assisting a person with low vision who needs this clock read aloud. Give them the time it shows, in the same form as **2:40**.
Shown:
**12:56**
